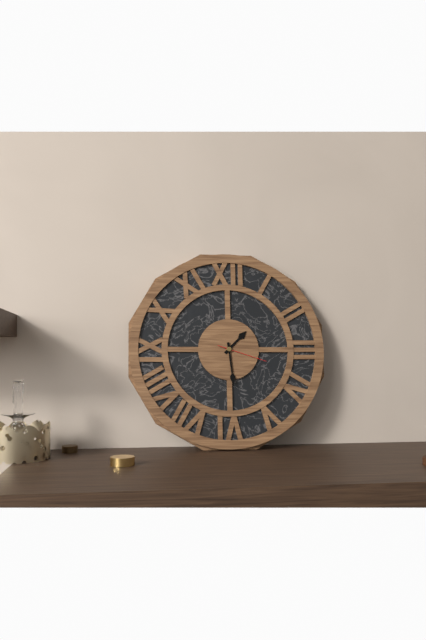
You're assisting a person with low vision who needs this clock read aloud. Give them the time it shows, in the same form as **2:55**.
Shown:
**1:29**
